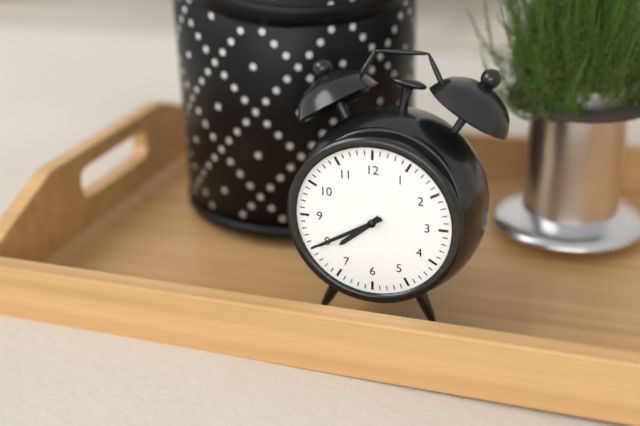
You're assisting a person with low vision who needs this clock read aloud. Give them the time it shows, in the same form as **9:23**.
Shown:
**7:40**
